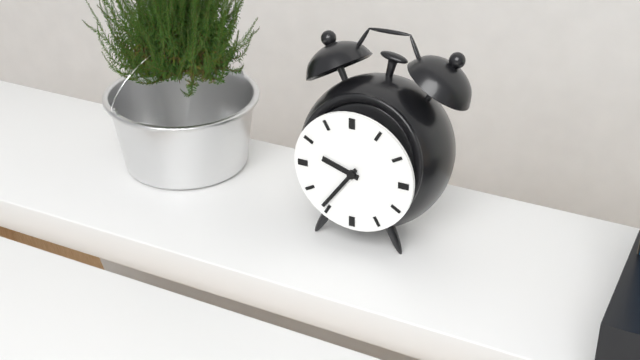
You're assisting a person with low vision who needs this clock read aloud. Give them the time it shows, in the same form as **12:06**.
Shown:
**9:36**
